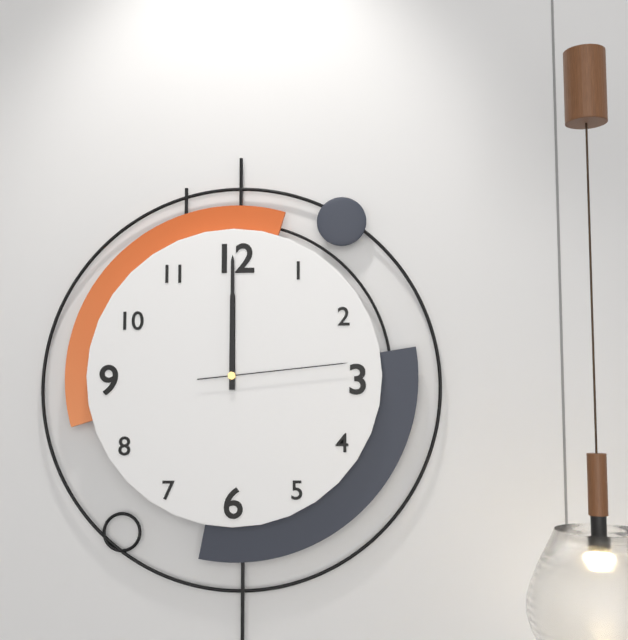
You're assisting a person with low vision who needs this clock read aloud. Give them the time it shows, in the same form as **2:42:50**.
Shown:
**12:00:14**
